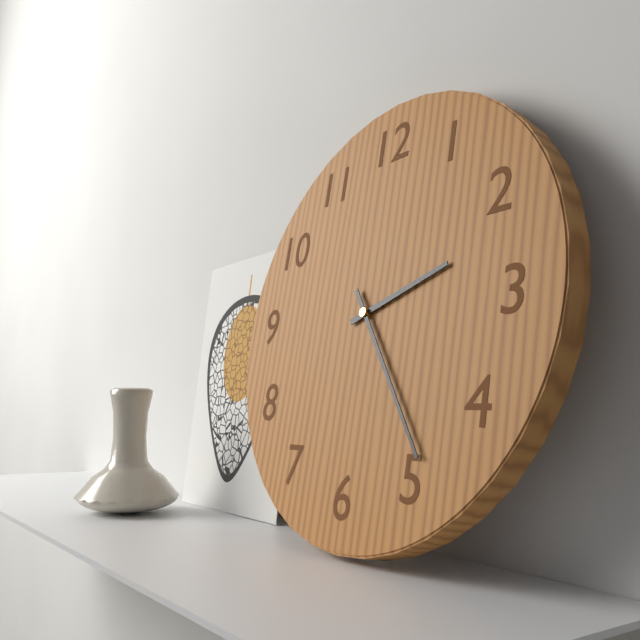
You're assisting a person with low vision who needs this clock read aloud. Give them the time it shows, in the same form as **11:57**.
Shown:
**2:24**
